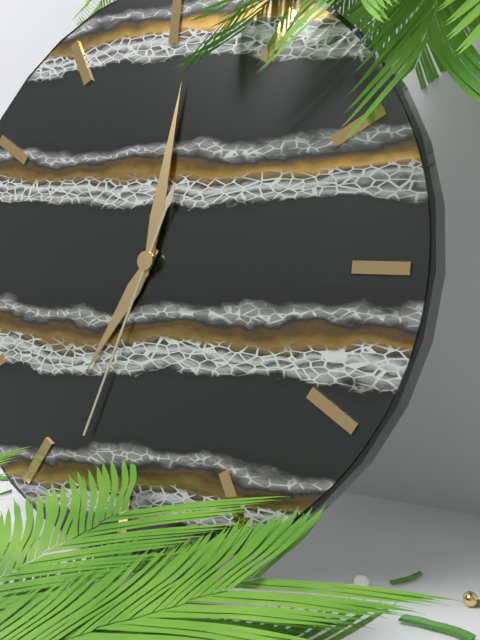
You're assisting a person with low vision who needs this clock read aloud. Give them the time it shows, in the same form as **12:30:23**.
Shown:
**7:01:33**
